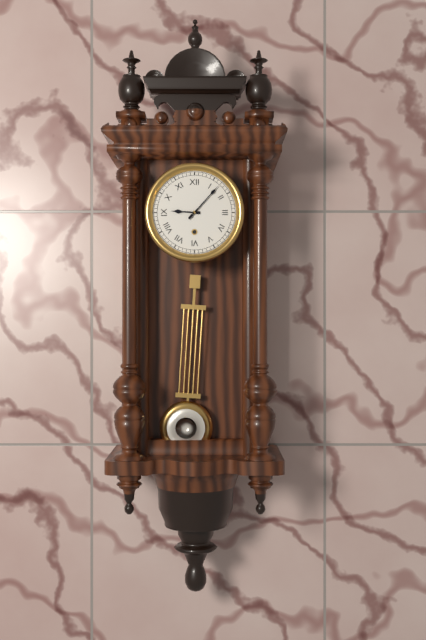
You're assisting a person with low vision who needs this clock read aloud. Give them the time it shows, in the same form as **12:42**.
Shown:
**9:07**
